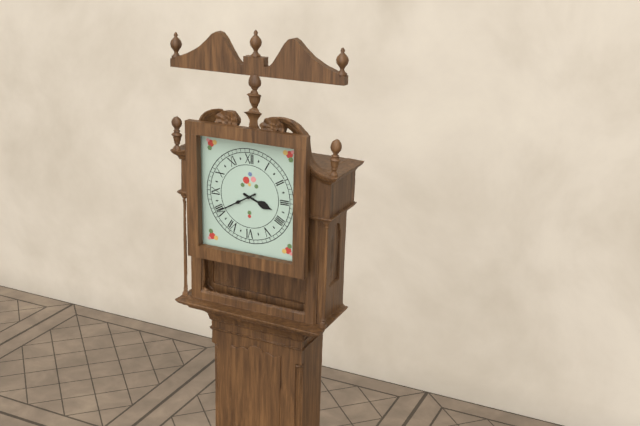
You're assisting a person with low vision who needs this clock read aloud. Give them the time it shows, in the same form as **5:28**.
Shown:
**3:40**
